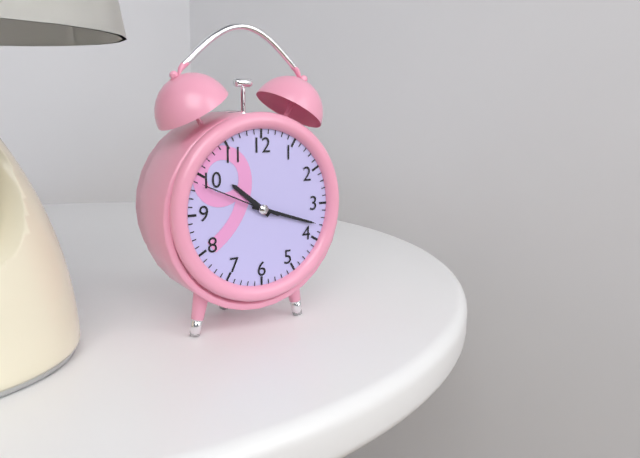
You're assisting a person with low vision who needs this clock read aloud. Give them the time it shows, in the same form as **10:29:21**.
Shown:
**10:18:49**
